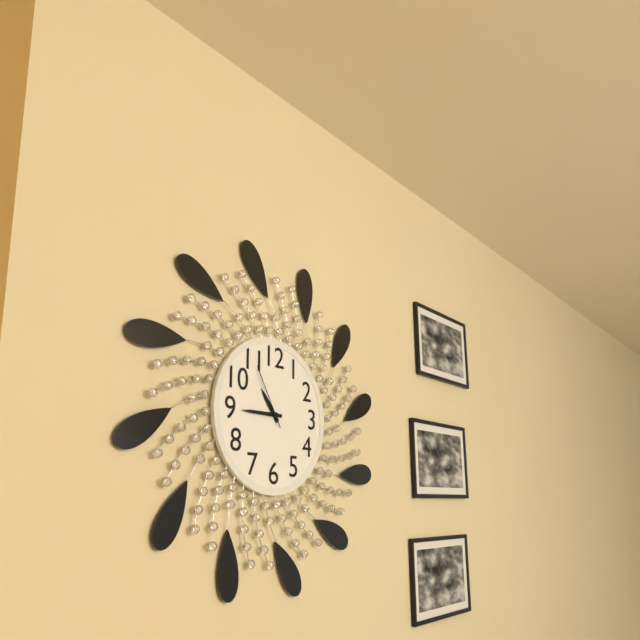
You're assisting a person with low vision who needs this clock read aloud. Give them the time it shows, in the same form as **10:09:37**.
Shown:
**10:45:55**
